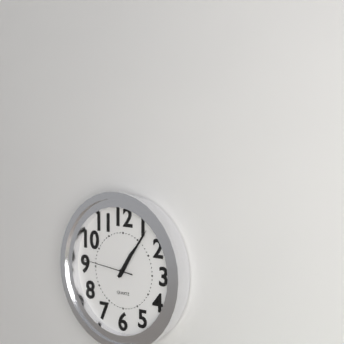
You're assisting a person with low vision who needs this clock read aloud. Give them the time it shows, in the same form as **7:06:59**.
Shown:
**1:06:46**
